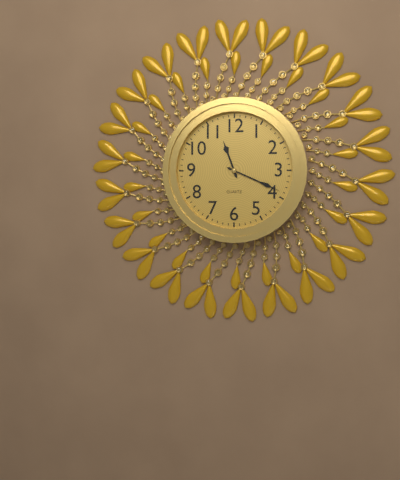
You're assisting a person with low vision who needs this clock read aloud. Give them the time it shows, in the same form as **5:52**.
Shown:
**11:19**
